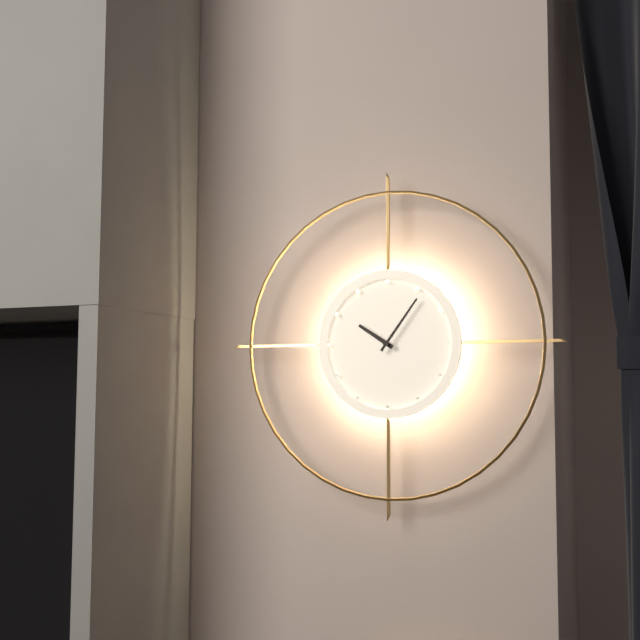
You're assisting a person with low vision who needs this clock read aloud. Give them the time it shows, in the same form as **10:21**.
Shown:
**10:06**
